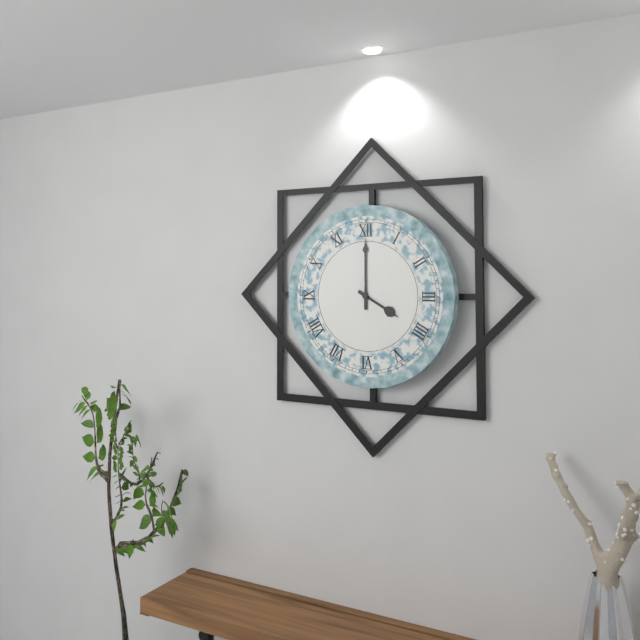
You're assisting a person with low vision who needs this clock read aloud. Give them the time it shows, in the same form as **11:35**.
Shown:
**4:00**
